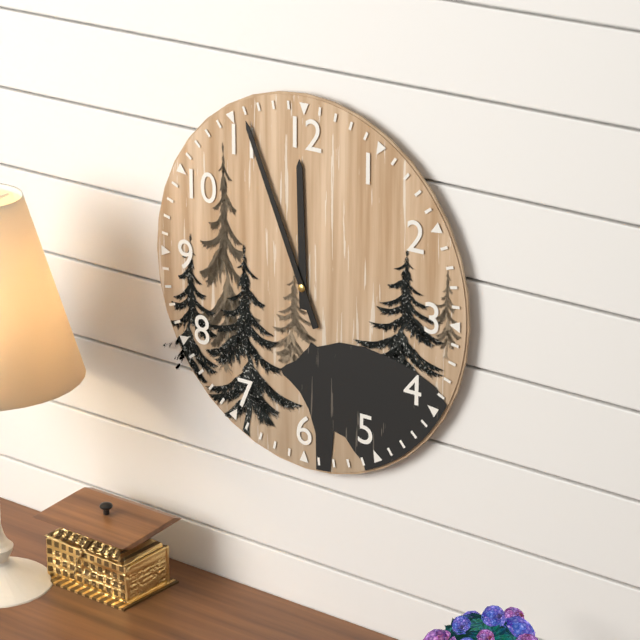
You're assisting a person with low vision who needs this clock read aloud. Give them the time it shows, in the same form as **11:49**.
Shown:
**11:56**
